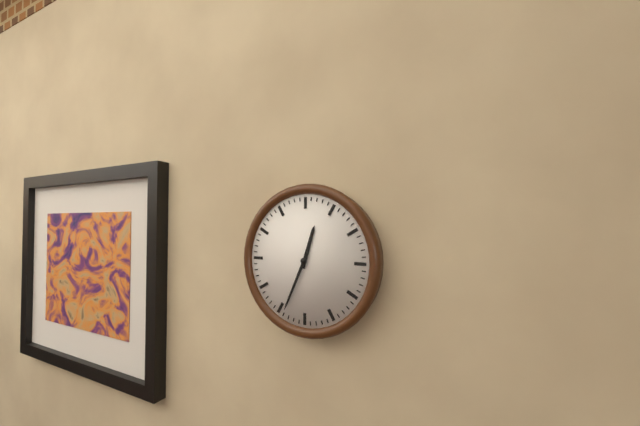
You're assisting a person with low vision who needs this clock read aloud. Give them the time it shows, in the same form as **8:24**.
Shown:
**12:34**
